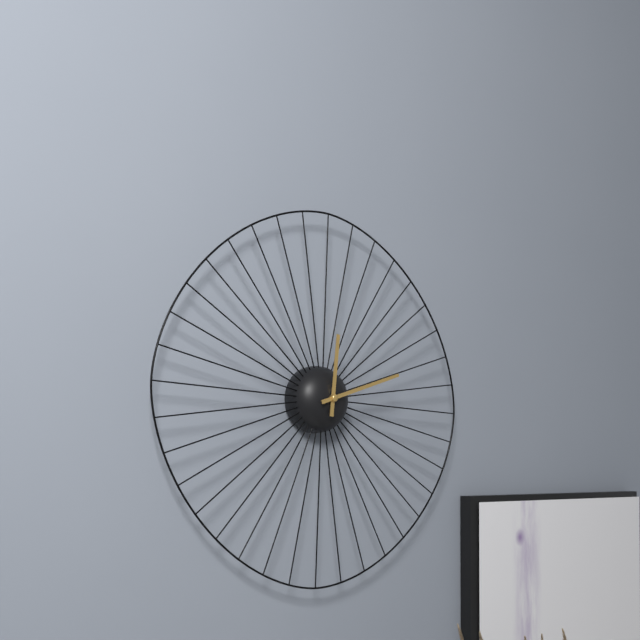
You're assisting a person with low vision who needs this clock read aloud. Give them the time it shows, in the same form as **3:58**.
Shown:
**12:12**
